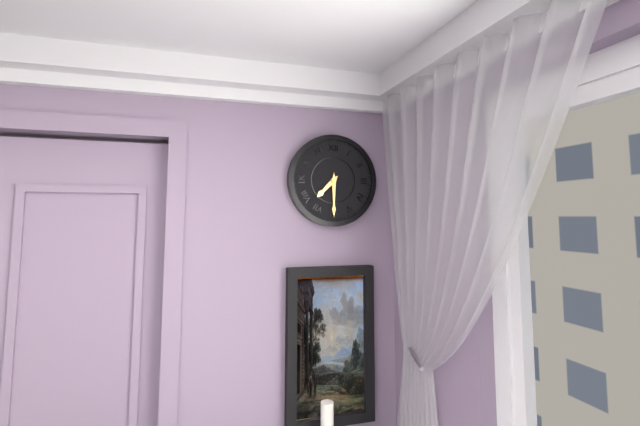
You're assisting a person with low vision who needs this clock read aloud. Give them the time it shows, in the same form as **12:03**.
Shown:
**7:30**
